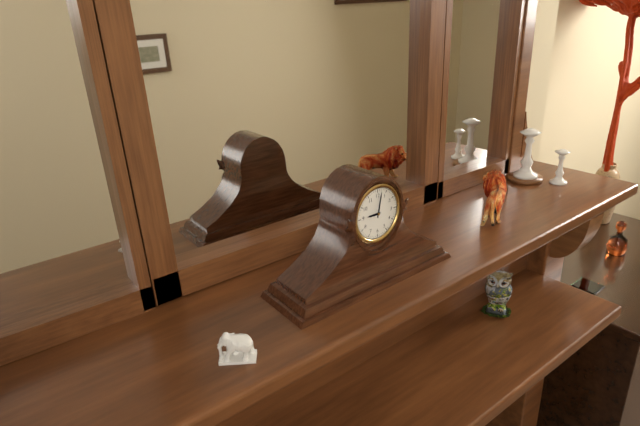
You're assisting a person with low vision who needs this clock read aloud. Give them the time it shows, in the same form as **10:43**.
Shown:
**9:02**
